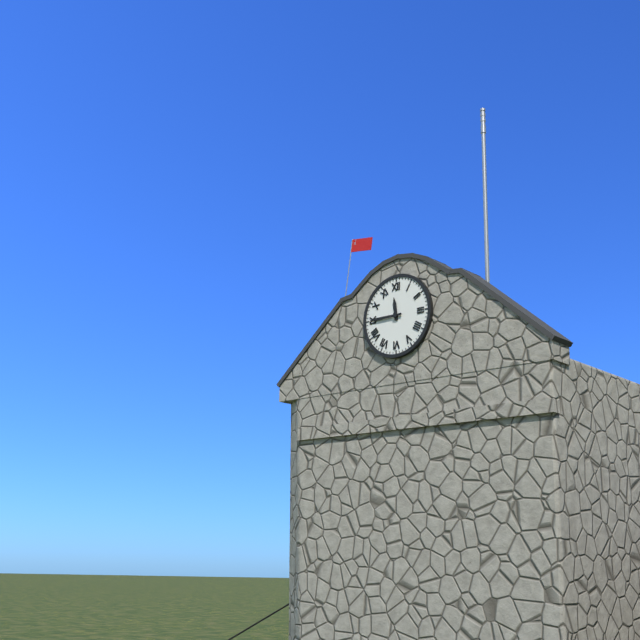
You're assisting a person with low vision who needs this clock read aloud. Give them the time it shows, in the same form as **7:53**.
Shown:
**11:45**
